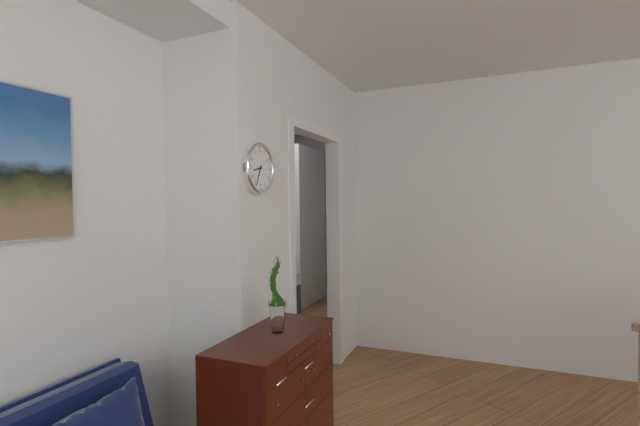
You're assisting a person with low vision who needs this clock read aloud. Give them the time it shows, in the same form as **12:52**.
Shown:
**8:34**
